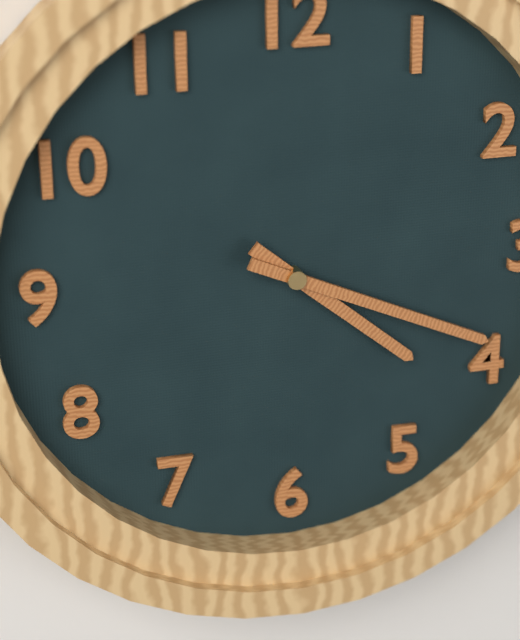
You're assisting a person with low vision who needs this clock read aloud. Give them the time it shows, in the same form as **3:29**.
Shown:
**4:19**
